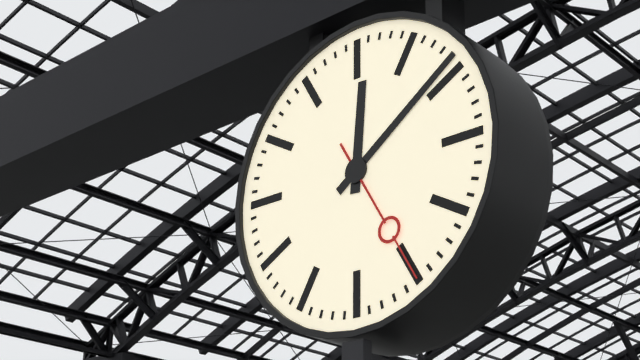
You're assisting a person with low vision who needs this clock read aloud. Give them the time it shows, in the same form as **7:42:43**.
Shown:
**12:09:25**
